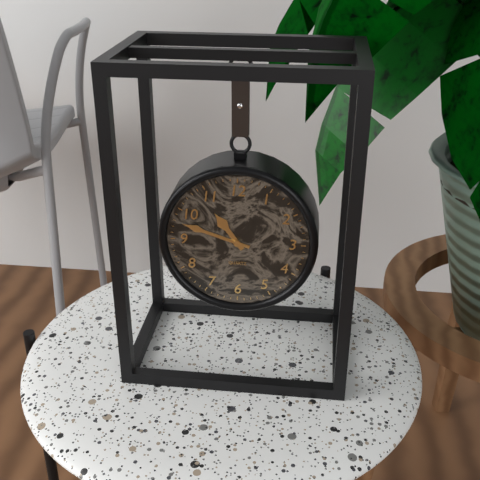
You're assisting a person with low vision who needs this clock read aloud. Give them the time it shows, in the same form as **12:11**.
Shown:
**10:48**
